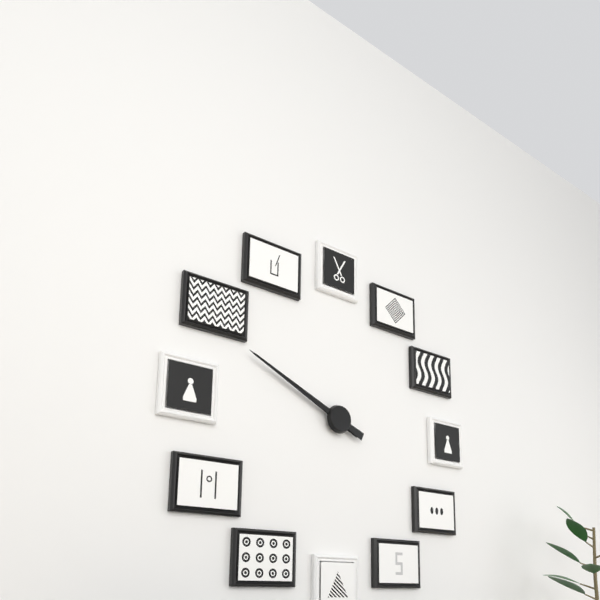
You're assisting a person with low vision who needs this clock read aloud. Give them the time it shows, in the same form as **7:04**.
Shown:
**9:49**
